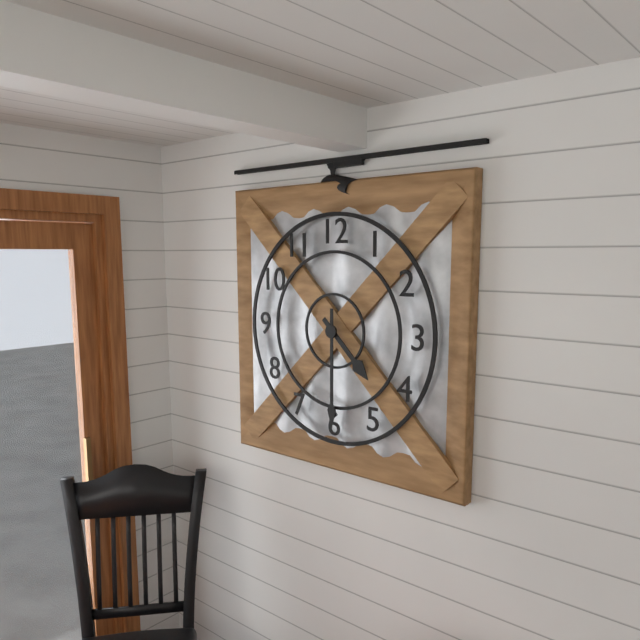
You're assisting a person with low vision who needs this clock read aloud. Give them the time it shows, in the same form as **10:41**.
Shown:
**4:30**
